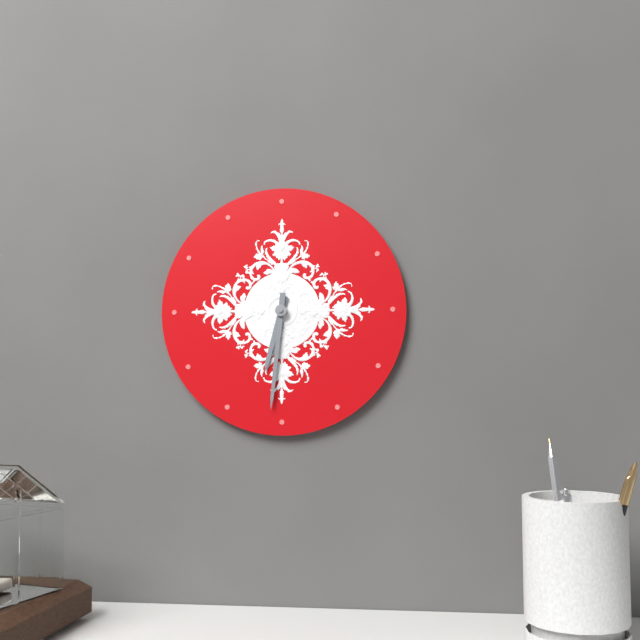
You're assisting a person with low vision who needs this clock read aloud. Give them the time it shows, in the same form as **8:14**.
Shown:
**6:31**
